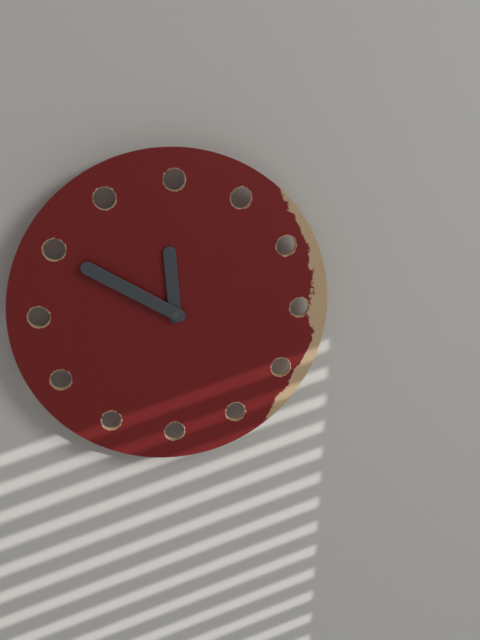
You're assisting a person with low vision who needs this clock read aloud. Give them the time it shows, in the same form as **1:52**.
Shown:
**11:50**
